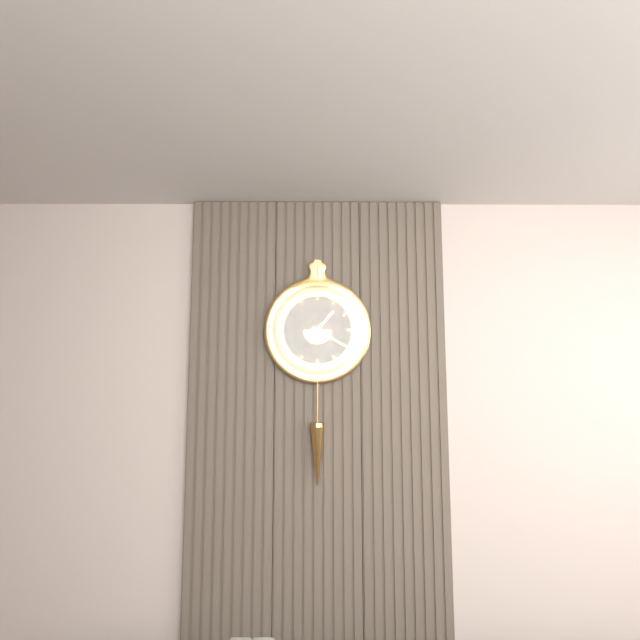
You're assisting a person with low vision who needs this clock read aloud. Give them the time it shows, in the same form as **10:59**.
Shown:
**1:20**
